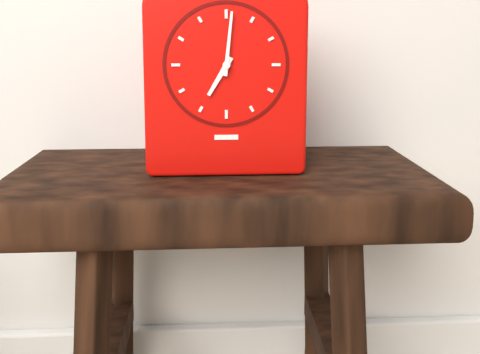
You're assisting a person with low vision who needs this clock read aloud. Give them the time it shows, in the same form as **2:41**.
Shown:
**7:01**
